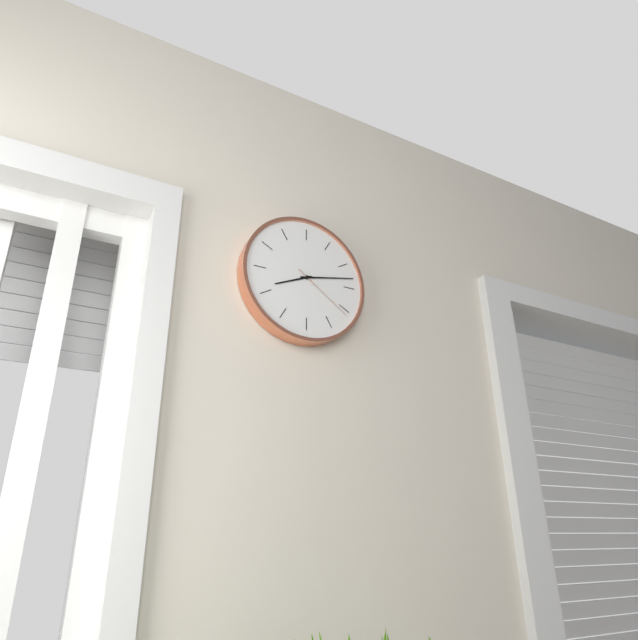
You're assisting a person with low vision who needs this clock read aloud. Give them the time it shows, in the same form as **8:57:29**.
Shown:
**8:13:21**
